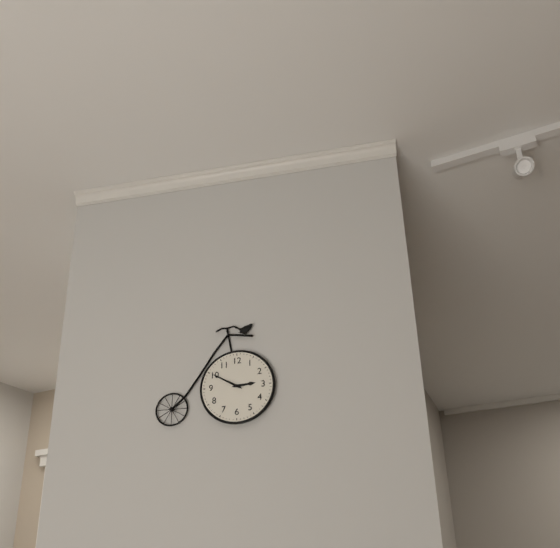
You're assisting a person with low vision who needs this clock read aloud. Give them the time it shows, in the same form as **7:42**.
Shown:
**2:50**
